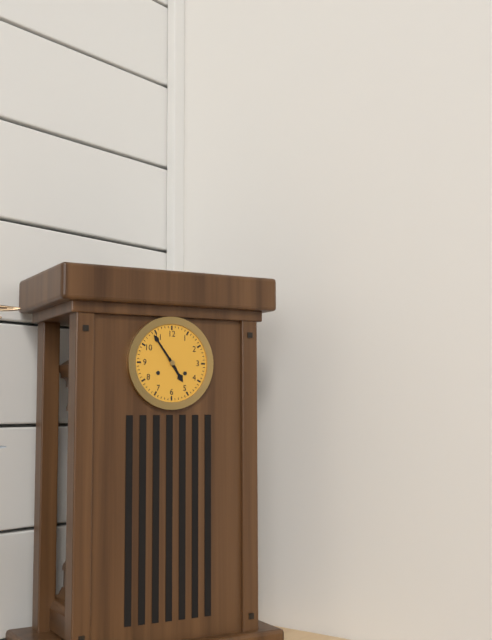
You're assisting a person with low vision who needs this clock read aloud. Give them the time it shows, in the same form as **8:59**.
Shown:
**4:54**
